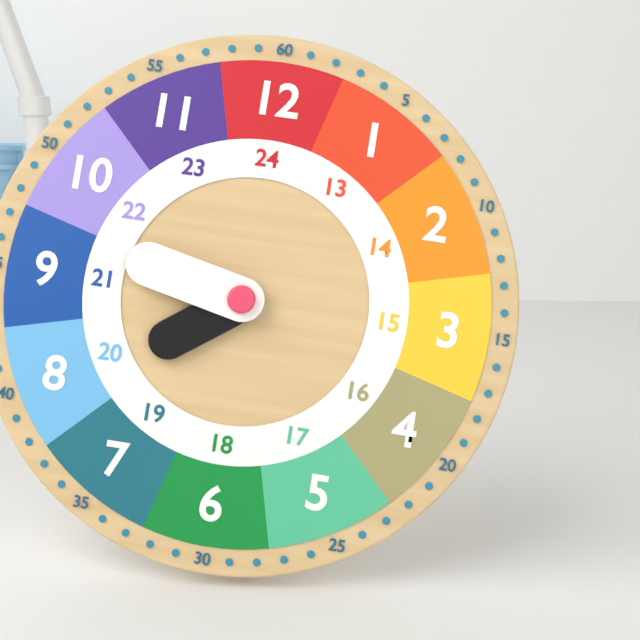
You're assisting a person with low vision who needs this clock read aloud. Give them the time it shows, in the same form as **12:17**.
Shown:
**7:47**
